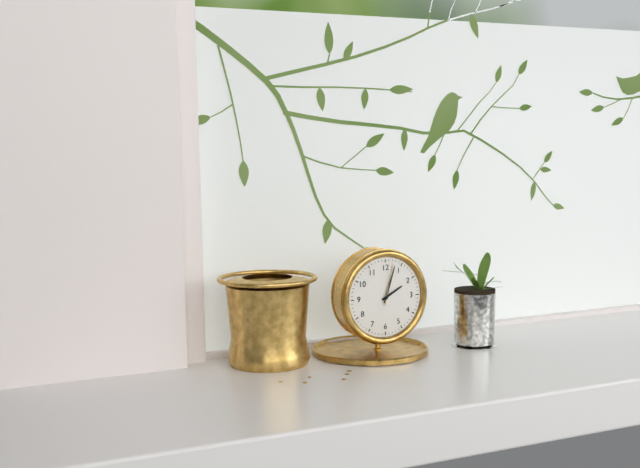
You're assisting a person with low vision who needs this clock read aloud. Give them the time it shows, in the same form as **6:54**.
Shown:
**2:03**
